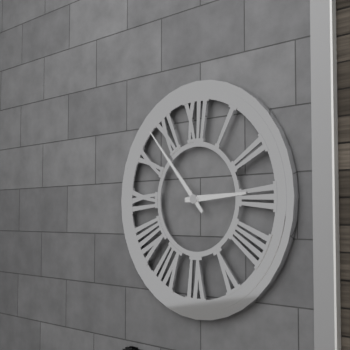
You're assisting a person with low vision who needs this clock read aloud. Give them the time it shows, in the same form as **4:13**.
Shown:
**2:53**
